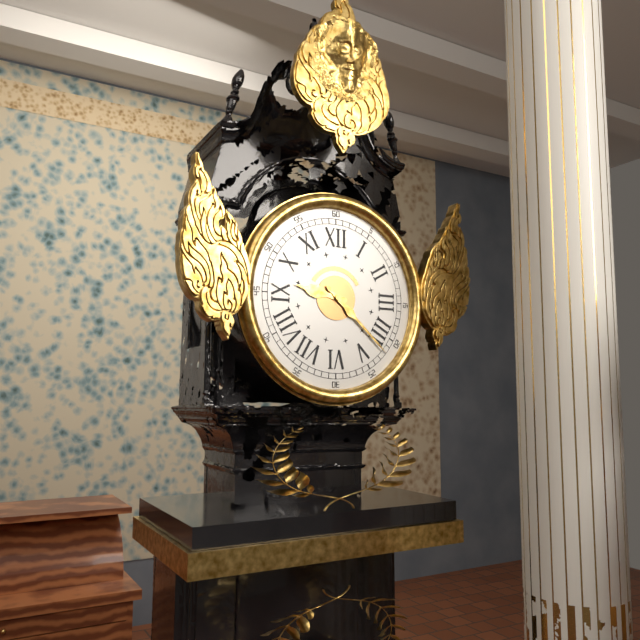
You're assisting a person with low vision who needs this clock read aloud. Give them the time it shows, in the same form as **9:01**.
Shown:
**9:22**
